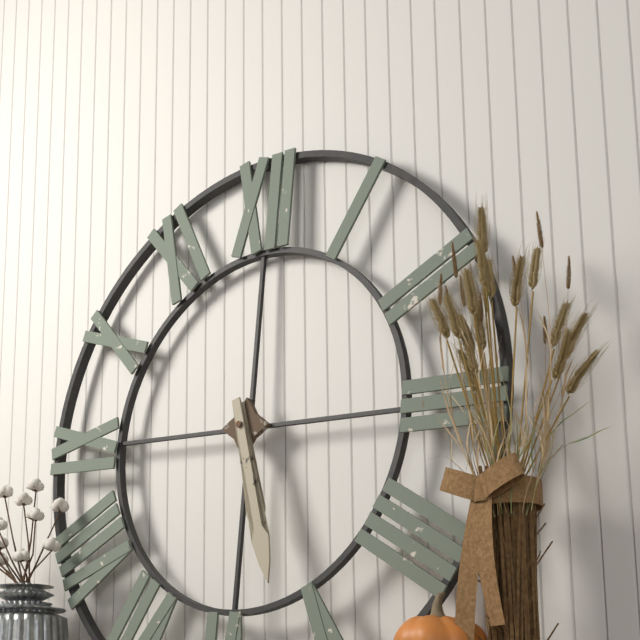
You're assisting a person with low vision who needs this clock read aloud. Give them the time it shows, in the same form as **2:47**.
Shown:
**5:27**
